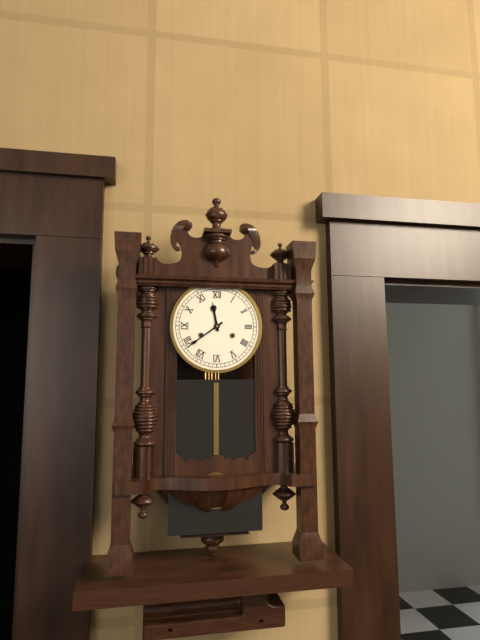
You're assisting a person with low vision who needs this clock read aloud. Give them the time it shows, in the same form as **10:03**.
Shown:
**11:39**
